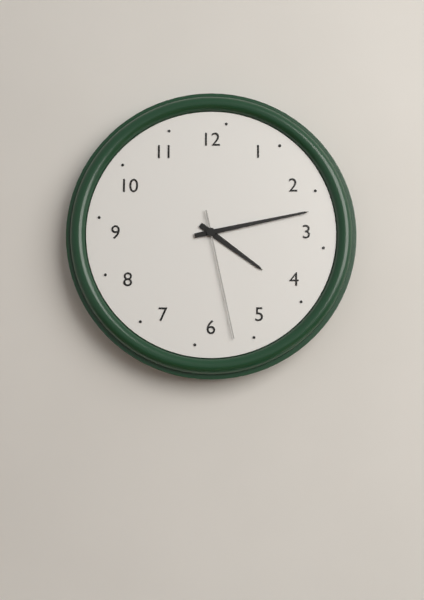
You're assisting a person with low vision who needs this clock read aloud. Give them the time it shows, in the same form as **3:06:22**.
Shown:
**4:13:28**
